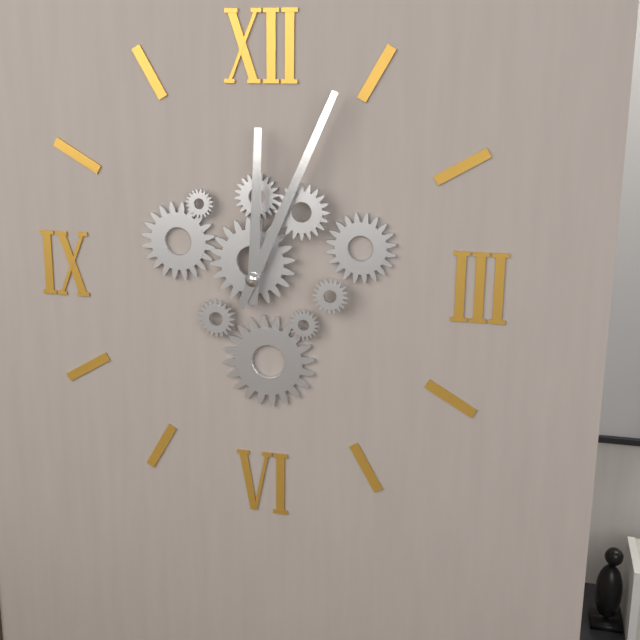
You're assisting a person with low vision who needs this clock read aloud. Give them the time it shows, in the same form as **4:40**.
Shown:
**12:04**
